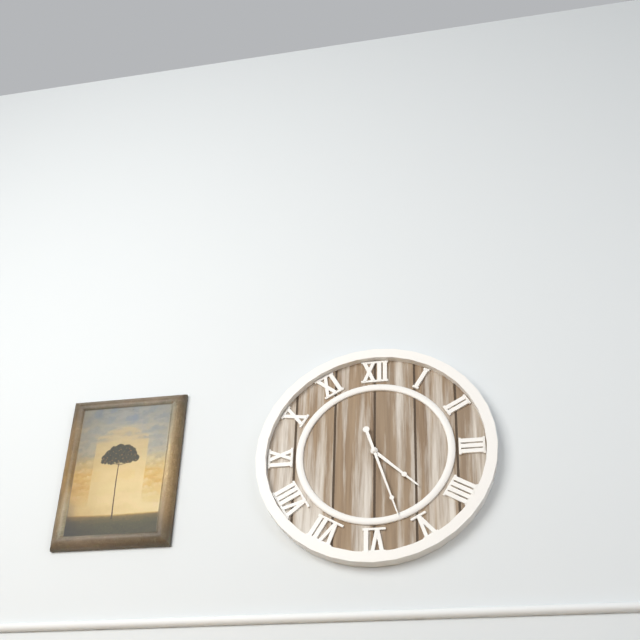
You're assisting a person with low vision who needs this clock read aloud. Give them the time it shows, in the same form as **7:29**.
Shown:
**4:27**
